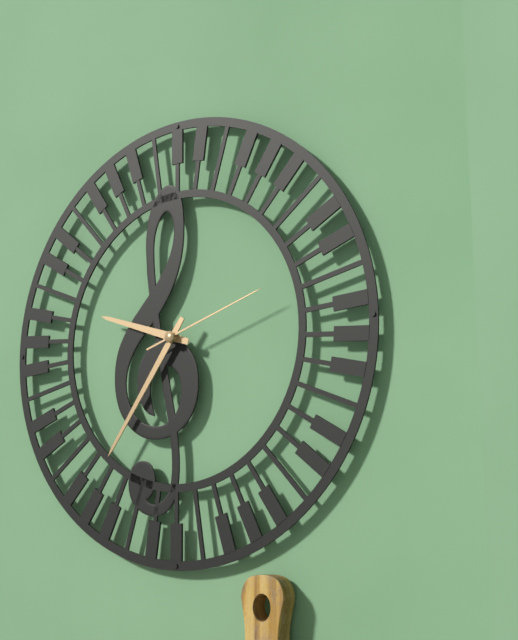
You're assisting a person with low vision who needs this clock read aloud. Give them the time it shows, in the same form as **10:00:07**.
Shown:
**9:36:12**
